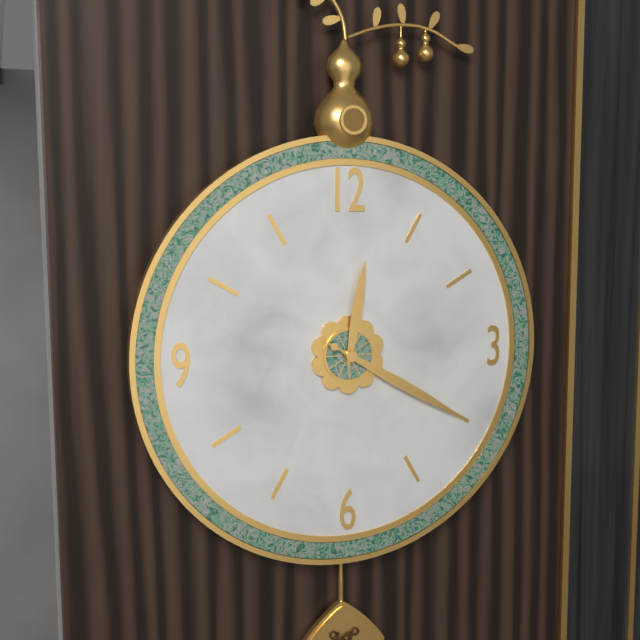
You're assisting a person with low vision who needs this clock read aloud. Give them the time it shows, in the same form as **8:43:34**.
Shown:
**12:20:20**
